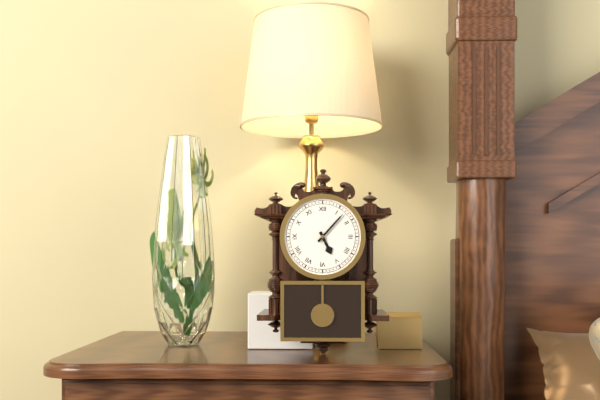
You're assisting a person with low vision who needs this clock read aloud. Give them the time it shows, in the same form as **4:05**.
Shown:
**5:07**
